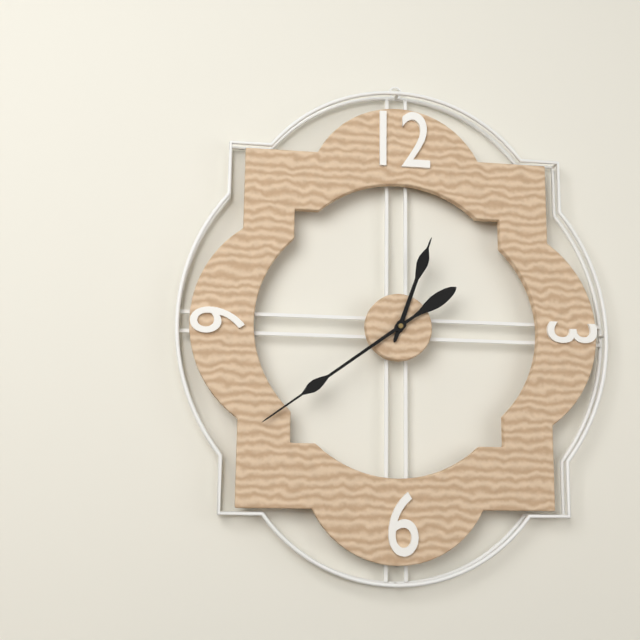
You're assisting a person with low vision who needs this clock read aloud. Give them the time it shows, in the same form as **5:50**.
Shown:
**12:39**
